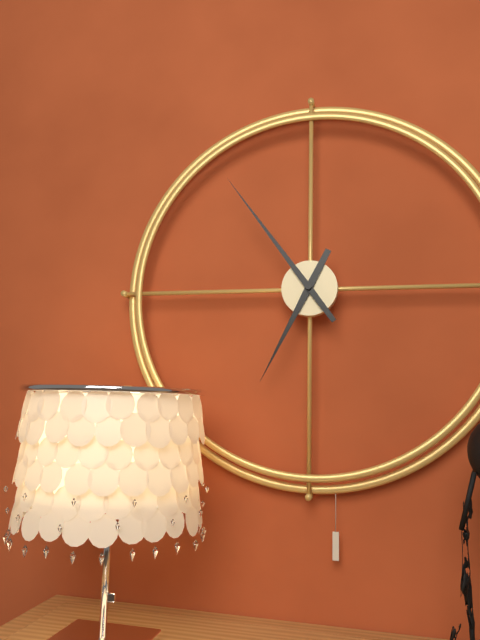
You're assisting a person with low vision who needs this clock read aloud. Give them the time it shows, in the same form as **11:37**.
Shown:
**6:54**
